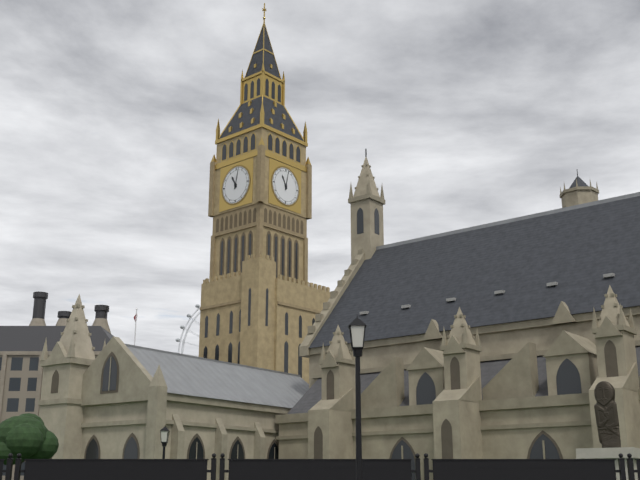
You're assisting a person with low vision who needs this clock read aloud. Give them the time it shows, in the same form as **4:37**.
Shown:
**11:02**
